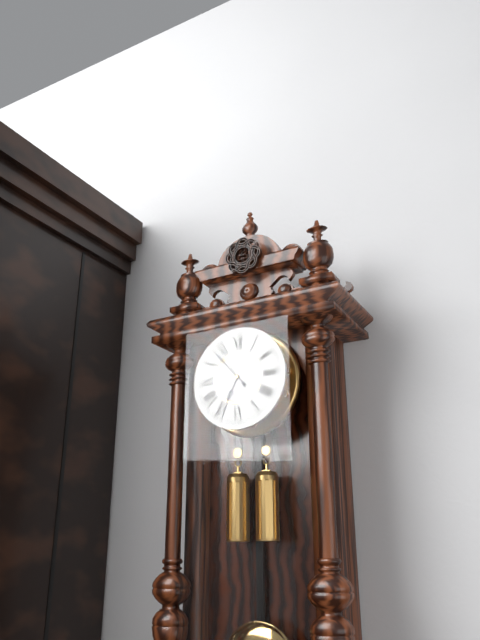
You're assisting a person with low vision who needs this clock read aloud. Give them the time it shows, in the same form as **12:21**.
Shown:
**6:53**
